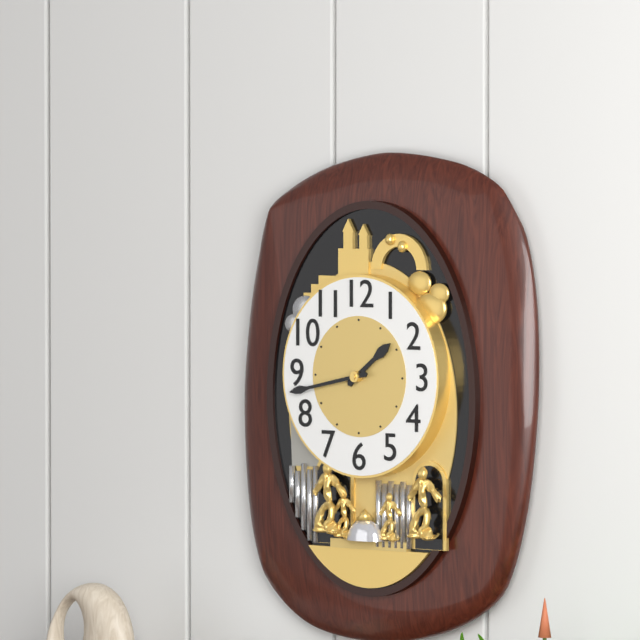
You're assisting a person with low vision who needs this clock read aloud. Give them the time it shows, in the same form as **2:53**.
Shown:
**1:43**
